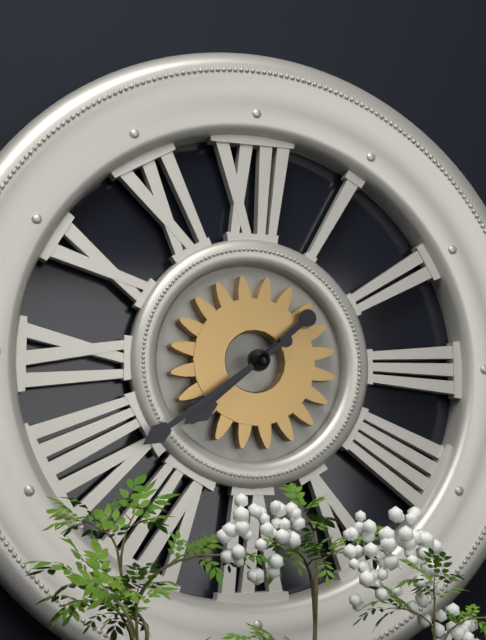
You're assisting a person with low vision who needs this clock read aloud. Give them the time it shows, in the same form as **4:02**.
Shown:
**7:39**
